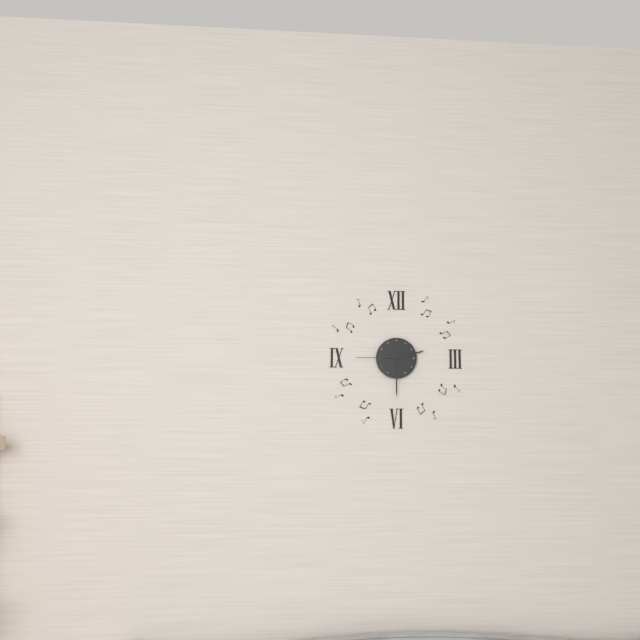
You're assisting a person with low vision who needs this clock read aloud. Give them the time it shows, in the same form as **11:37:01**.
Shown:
**2:30:45**
